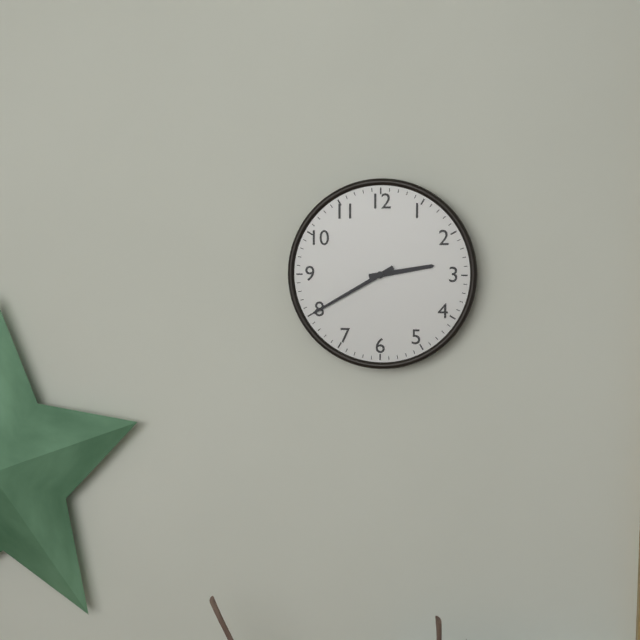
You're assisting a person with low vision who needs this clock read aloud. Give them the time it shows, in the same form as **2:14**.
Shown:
**2:40**
